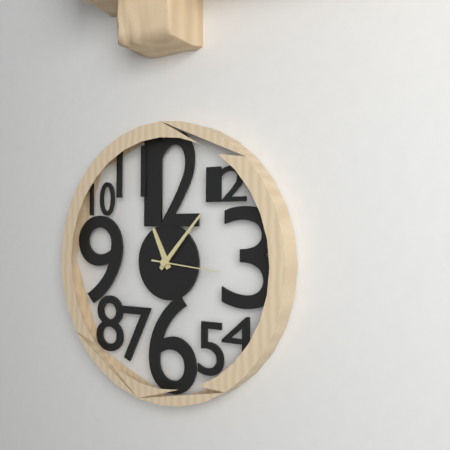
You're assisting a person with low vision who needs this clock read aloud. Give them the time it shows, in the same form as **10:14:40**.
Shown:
**11:07:16**
